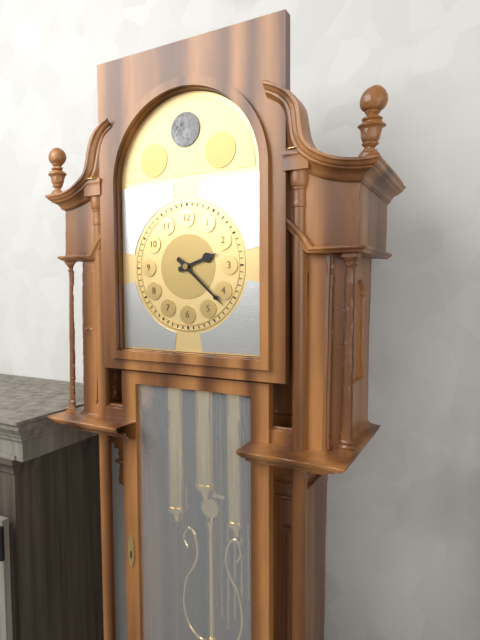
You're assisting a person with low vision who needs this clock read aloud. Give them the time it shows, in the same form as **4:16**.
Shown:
**2:22**
